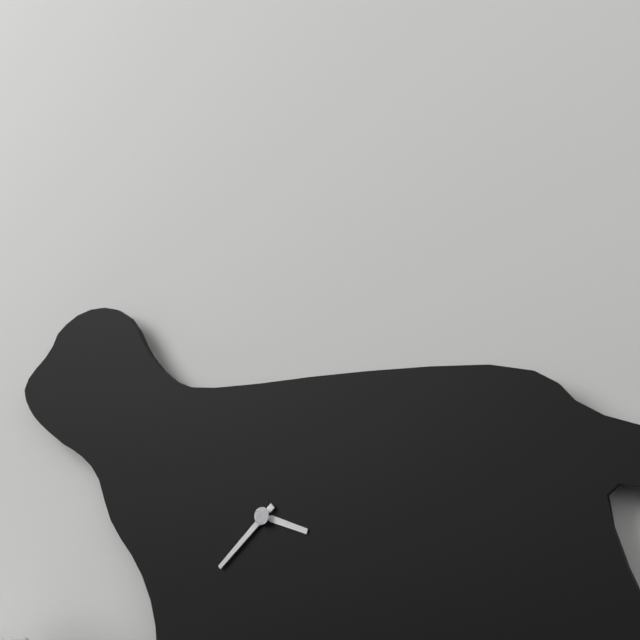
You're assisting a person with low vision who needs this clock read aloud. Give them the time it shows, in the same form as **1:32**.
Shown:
**3:38**
